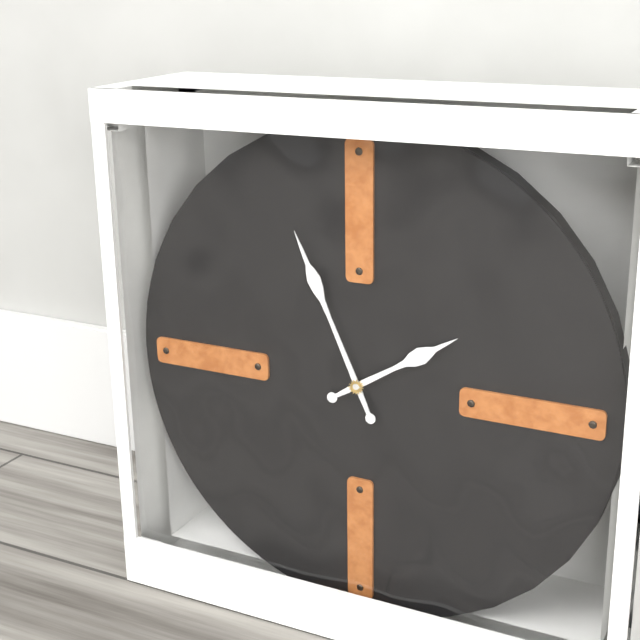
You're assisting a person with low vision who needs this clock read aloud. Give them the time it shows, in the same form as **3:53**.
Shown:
**1:56**
